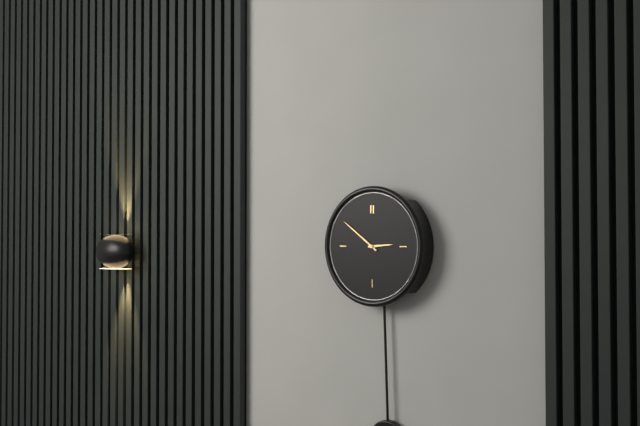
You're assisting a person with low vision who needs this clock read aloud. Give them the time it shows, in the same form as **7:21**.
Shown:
**2:51**
